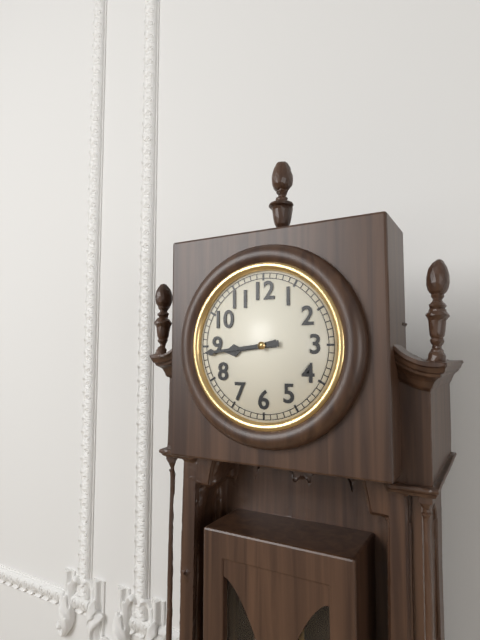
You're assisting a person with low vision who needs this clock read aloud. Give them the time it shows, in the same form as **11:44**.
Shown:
**8:44**
